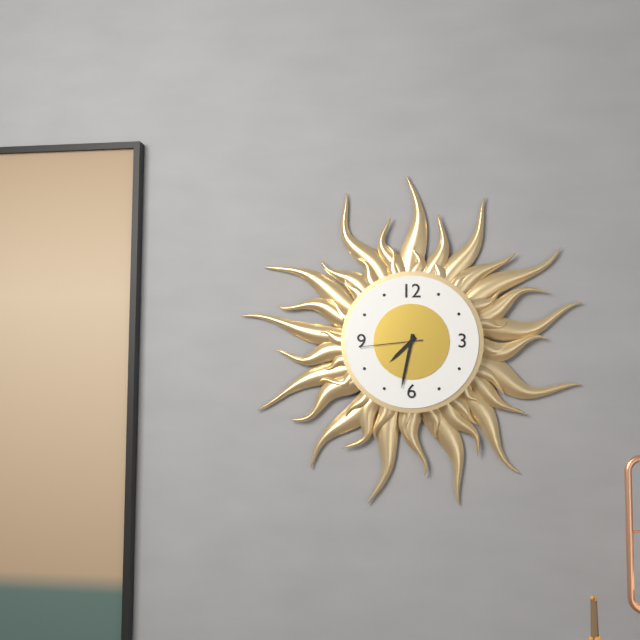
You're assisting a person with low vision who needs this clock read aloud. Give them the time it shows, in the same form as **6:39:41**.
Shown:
**7:32:44**
